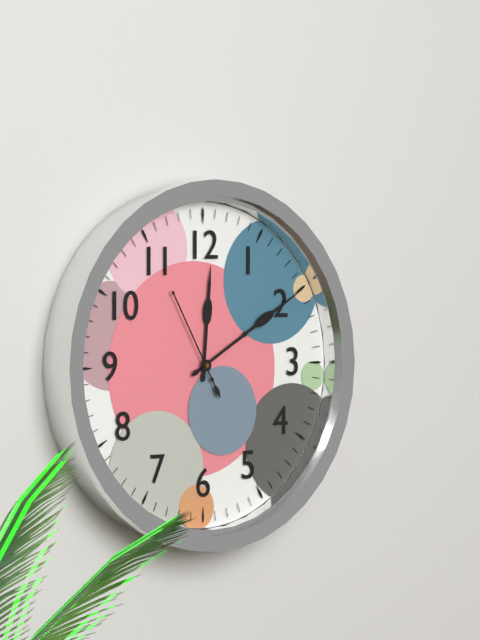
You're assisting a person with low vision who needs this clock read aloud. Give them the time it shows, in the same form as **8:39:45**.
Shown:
**12:10:55**
